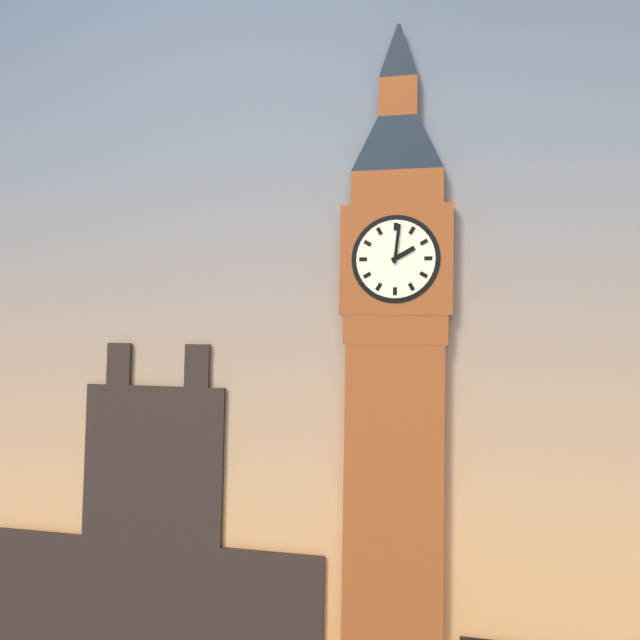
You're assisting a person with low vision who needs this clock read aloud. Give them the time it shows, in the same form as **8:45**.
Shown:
**2:01**
